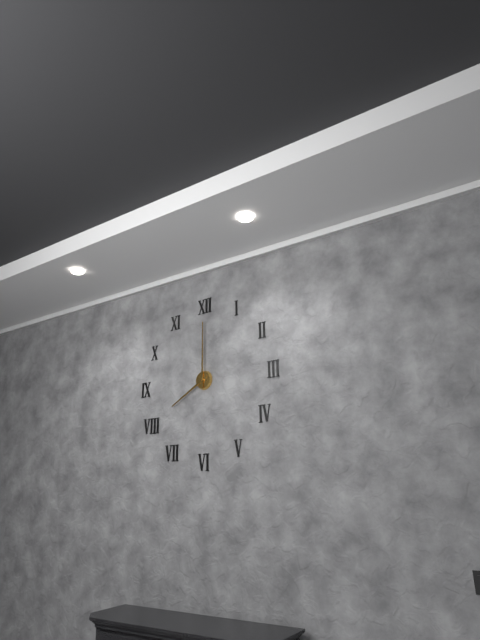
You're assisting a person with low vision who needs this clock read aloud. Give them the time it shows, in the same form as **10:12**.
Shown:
**8:00**
